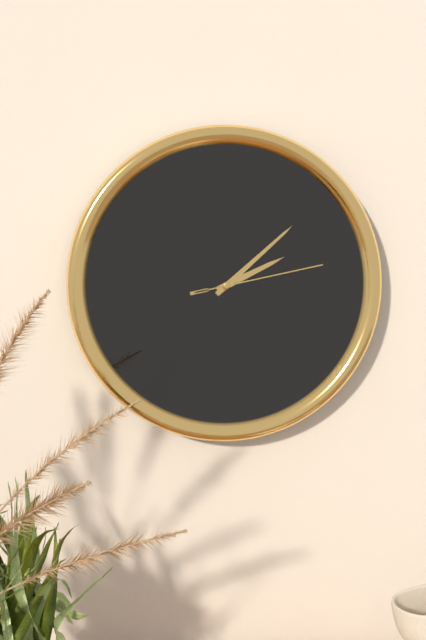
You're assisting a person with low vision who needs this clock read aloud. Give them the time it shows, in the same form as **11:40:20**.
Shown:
**2:08:13**
